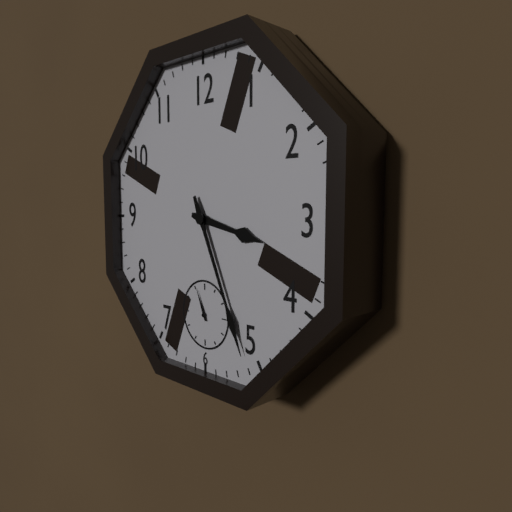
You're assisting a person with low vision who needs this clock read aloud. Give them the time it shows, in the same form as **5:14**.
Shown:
**3:26**
